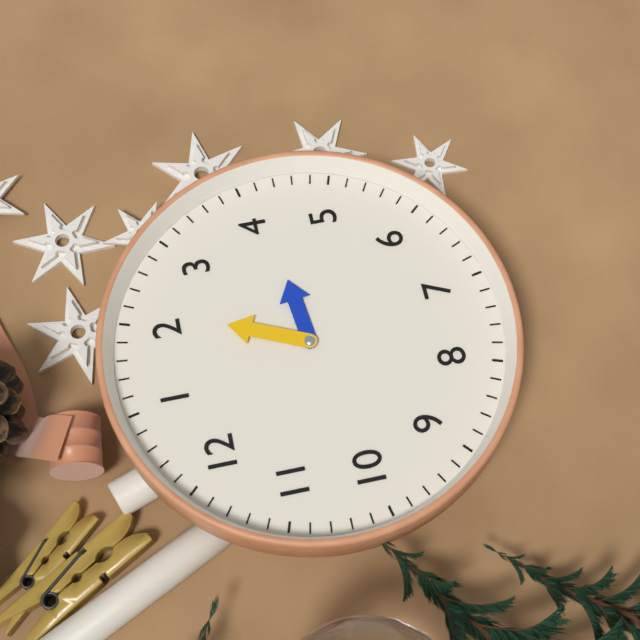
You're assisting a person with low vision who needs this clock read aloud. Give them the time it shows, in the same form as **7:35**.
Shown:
**4:11**
